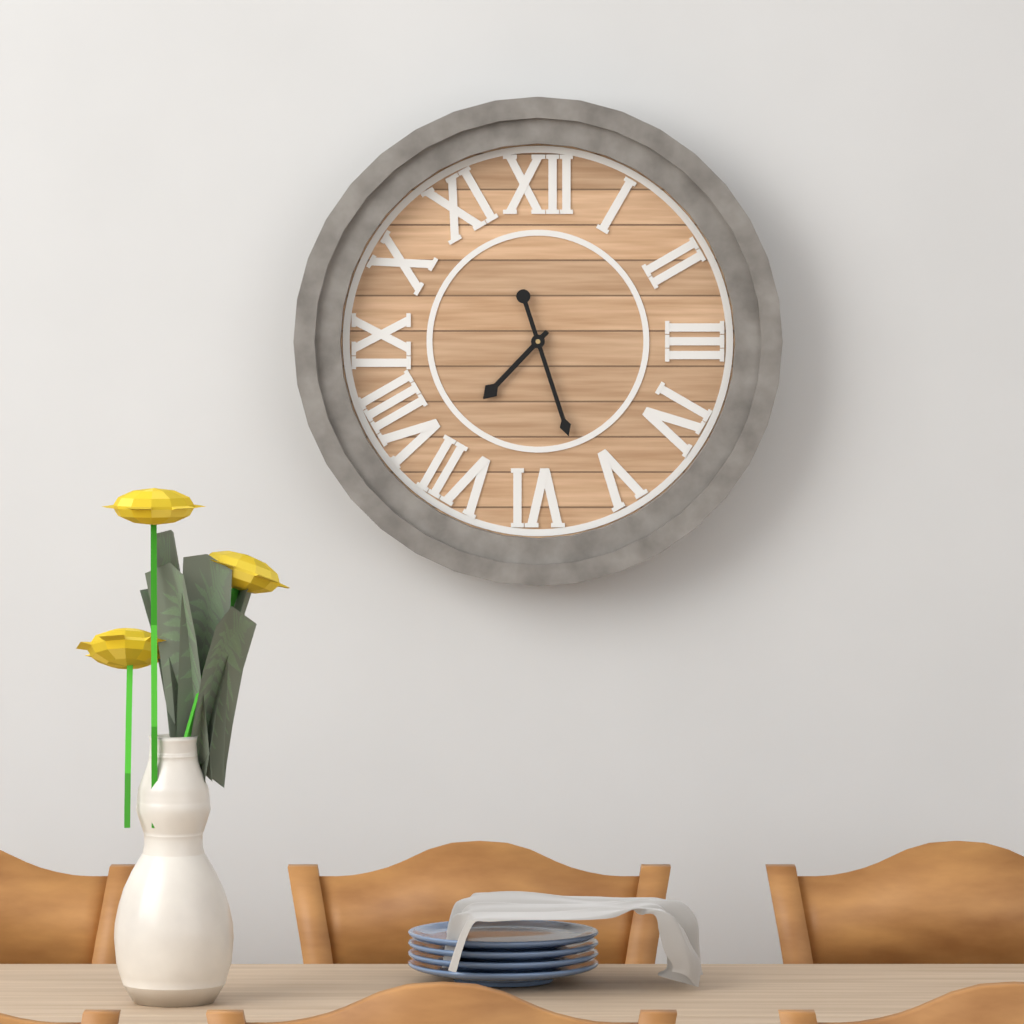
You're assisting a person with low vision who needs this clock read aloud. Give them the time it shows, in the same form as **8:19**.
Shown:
**7:27**
